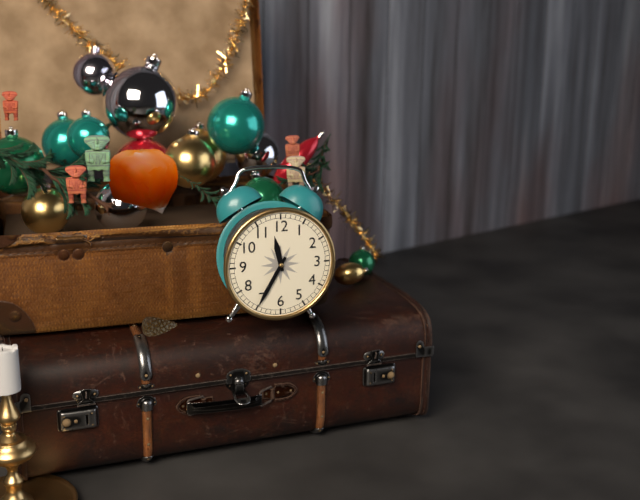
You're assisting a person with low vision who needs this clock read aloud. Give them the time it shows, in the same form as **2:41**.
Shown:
**11:35**
